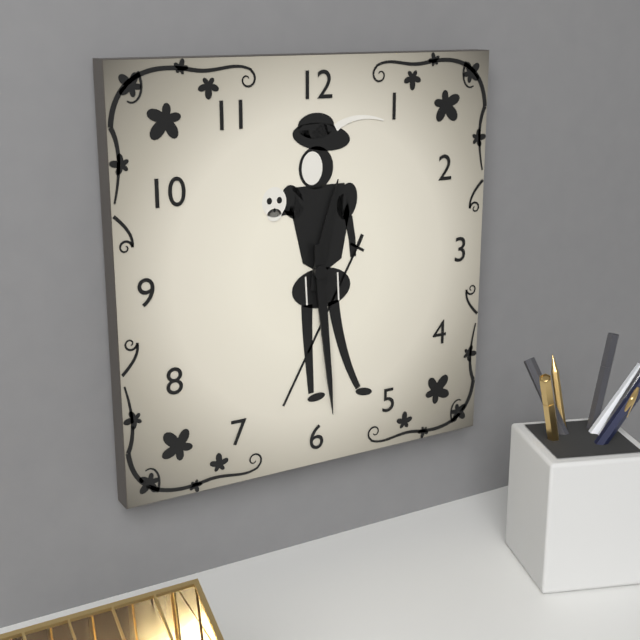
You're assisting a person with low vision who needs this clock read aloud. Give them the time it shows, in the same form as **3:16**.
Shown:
**12:29**
